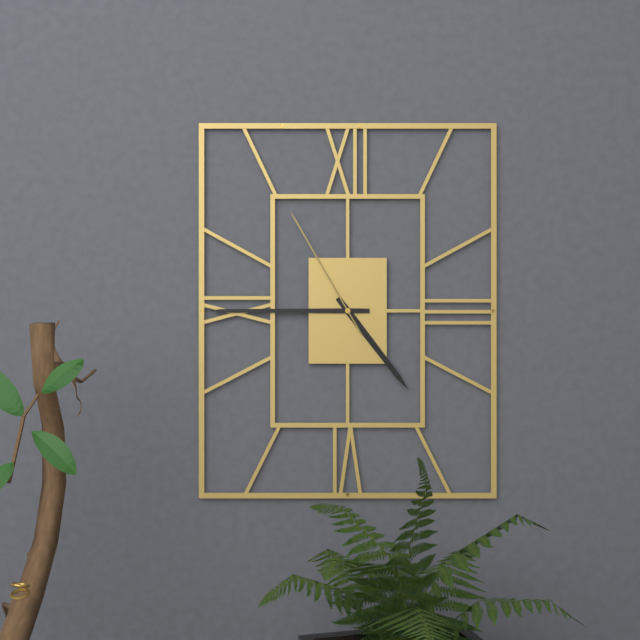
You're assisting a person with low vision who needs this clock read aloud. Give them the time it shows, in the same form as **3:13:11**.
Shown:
**4:45:55**
